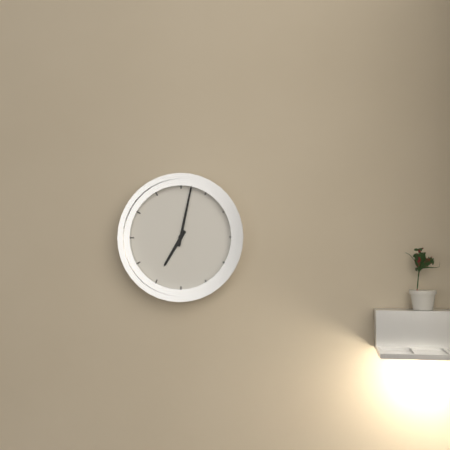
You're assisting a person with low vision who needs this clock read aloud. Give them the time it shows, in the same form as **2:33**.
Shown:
**7:02**
